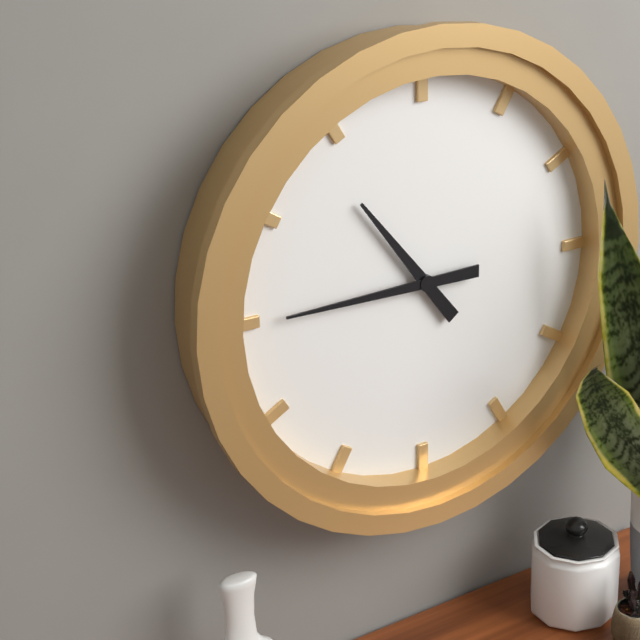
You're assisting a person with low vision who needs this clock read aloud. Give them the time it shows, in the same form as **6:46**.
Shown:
**10:45**
